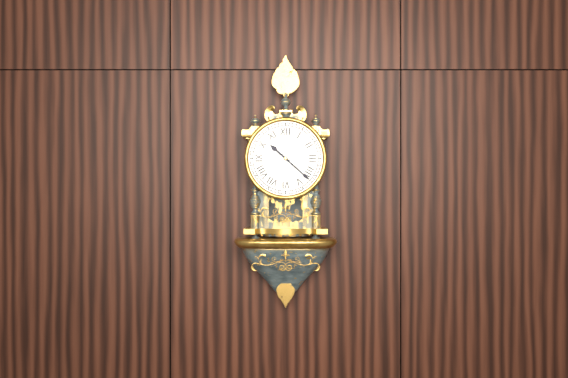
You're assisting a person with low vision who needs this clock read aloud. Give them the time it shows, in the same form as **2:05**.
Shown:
**10:22**
